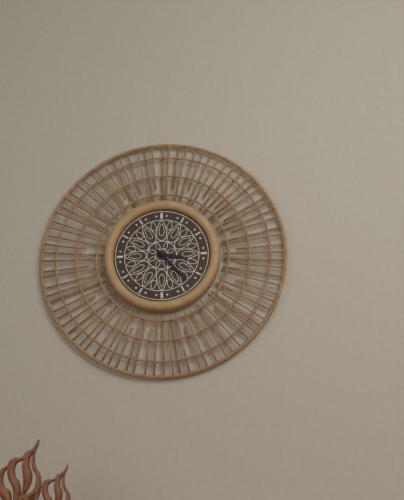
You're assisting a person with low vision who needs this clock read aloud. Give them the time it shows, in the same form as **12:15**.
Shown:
**3:23**
